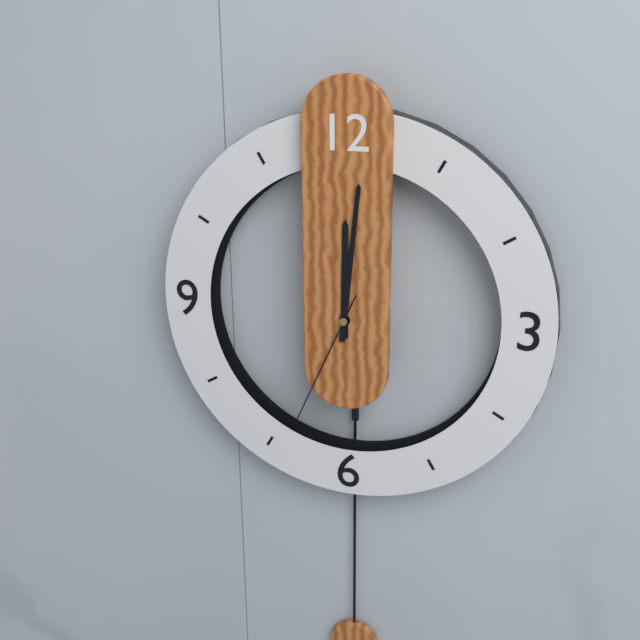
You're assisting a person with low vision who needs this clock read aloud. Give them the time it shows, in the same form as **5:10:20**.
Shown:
**12:01:34**
